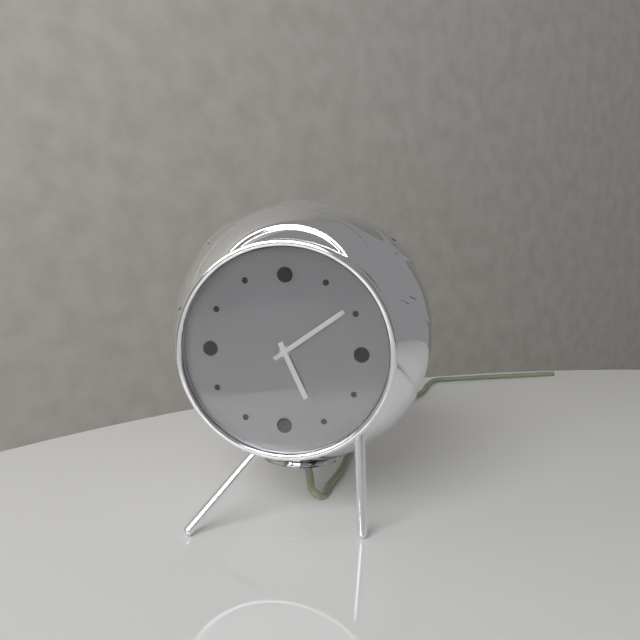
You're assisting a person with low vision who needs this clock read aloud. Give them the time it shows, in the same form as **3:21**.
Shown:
**5:09**
